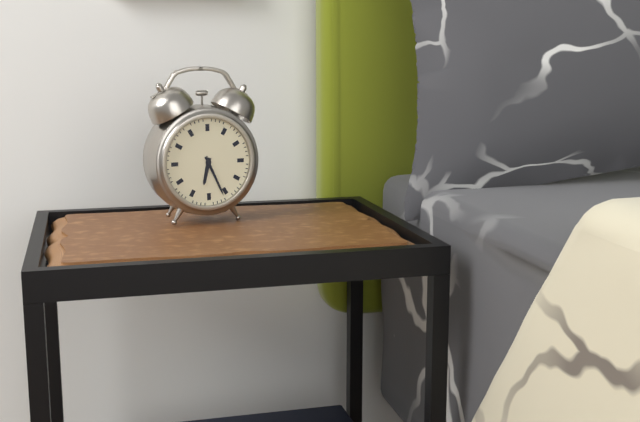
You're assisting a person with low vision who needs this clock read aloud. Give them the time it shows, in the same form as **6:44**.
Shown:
**6:26**
